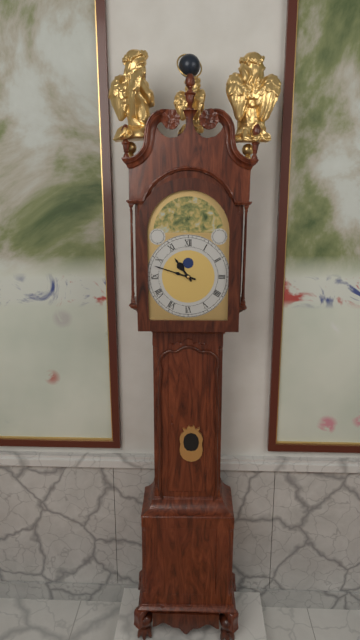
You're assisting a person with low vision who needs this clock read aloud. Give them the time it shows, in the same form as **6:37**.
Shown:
**10:48**
